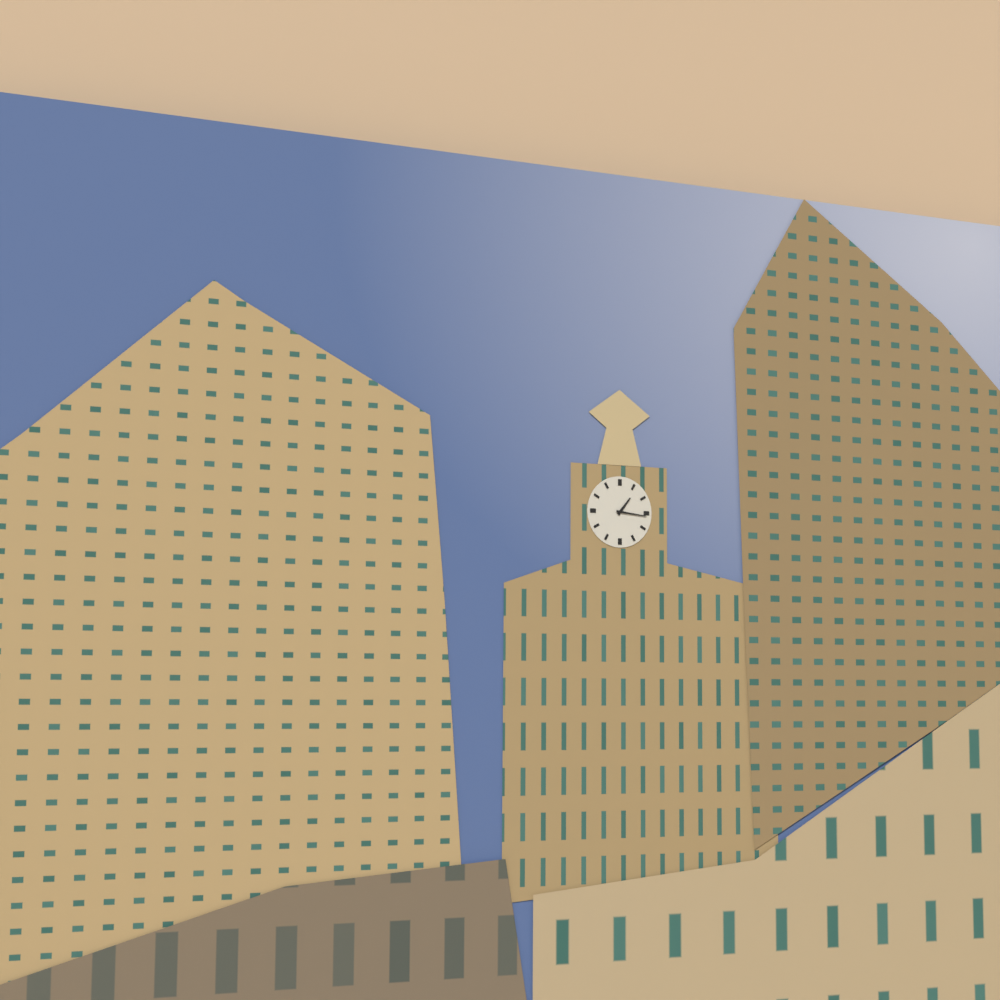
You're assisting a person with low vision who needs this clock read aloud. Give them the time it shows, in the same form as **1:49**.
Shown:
**1:16**
